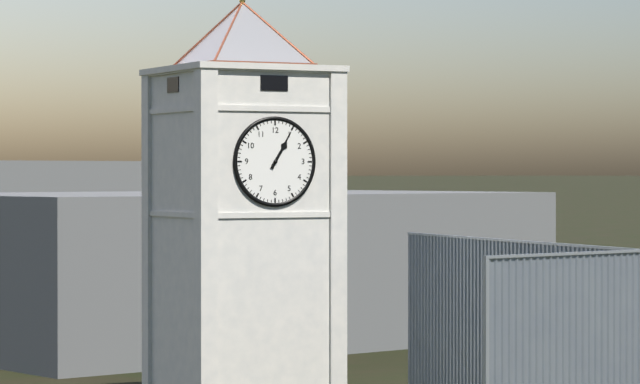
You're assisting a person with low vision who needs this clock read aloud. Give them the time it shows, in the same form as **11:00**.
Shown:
**1:05**
